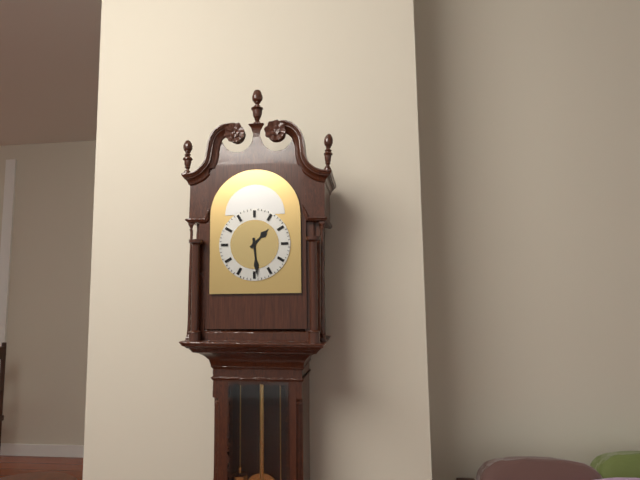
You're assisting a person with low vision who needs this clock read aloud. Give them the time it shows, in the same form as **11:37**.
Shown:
**1:29**
